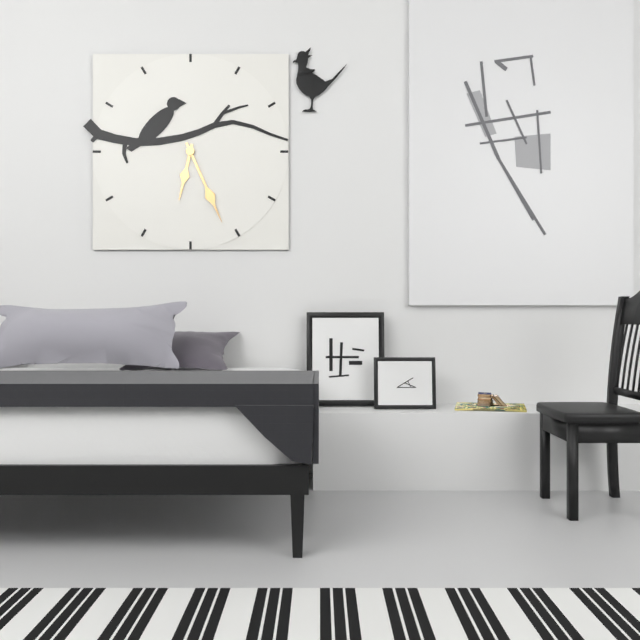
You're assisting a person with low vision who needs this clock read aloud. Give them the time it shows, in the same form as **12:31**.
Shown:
**6:26**
